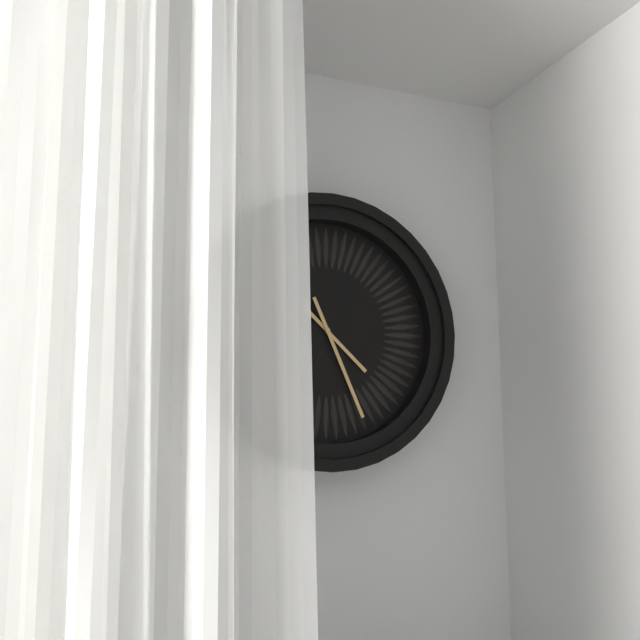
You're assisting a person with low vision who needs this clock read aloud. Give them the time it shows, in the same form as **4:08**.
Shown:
**4:26**
